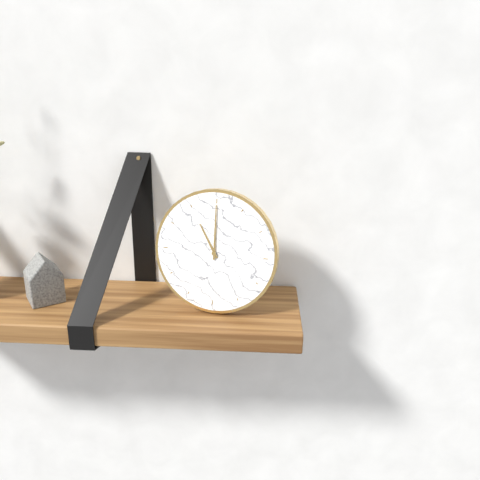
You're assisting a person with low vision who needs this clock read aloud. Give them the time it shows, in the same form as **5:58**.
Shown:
**11:00**
